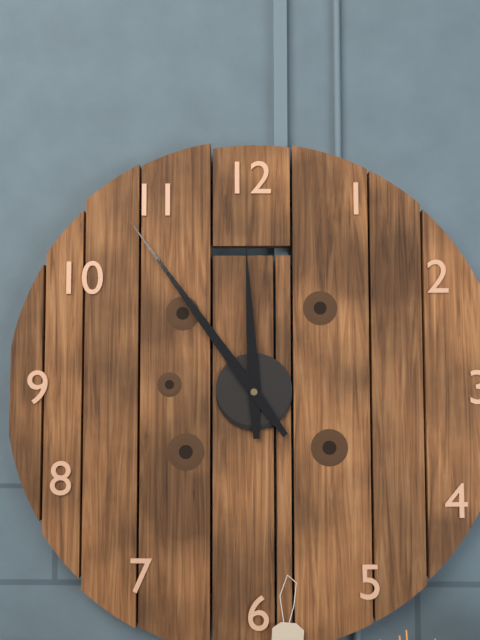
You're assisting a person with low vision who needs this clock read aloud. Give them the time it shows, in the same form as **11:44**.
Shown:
**11:54**
